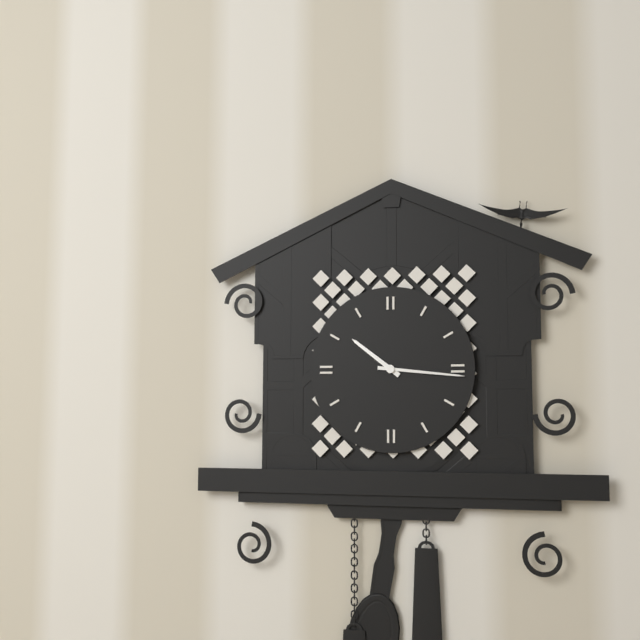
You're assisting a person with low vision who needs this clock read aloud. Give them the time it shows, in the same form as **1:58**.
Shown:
**10:16**
